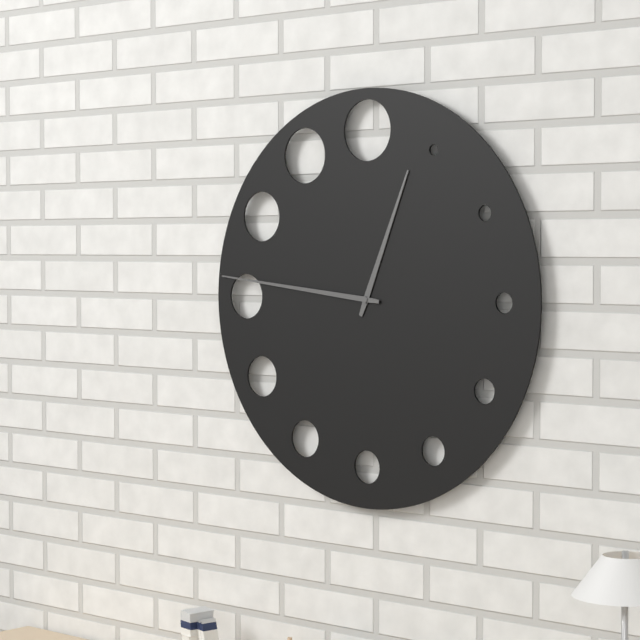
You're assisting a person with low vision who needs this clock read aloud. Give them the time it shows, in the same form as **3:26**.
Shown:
**12:46**
